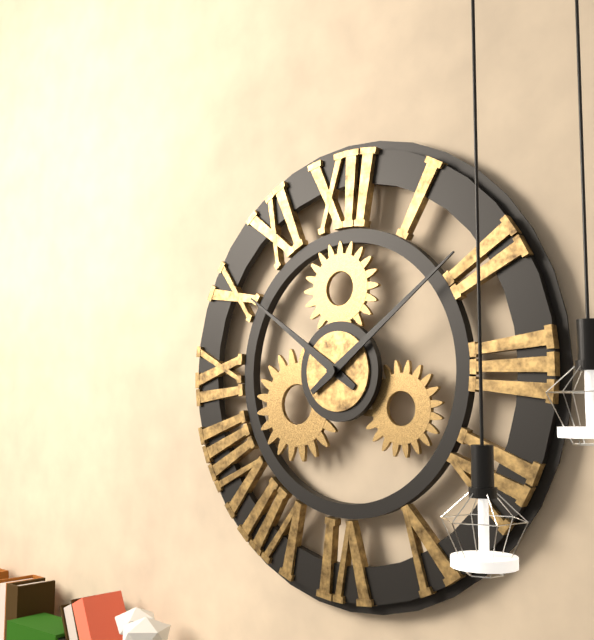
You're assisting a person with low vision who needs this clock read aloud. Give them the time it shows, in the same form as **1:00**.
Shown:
**10:09**
